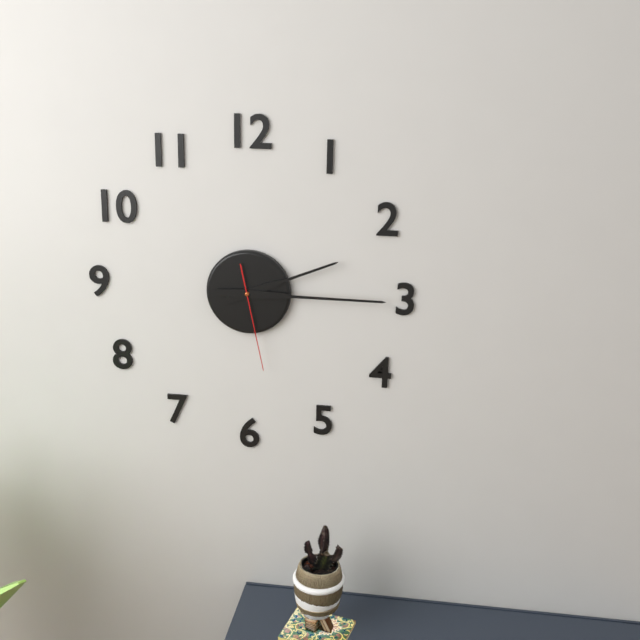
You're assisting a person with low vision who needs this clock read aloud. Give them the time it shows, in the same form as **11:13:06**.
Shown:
**2:15:28**
